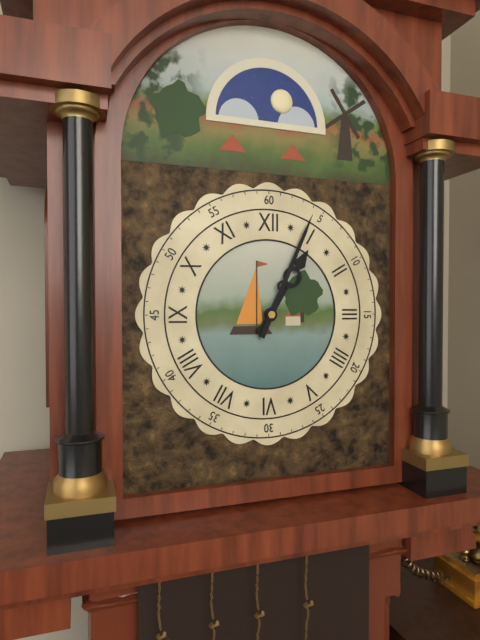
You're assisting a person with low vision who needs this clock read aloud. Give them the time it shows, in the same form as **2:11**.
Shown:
**1:04**
